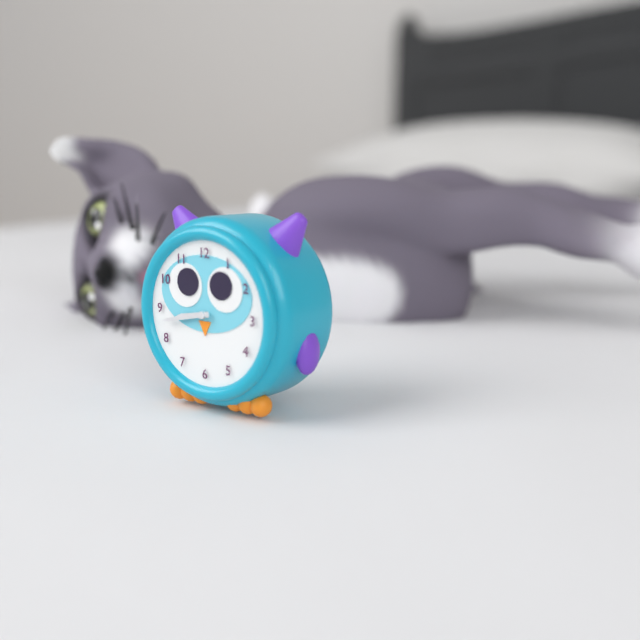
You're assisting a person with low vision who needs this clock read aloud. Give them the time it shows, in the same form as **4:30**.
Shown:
**8:43**
